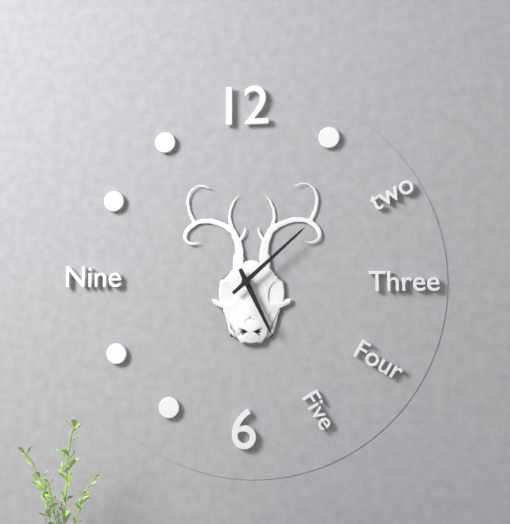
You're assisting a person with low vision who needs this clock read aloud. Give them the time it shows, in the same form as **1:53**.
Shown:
**5:08**
